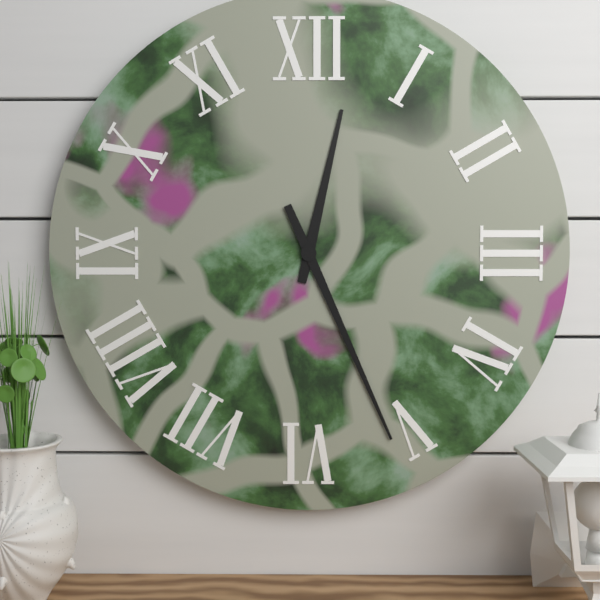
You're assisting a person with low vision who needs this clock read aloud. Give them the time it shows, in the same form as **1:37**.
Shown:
**12:26**
